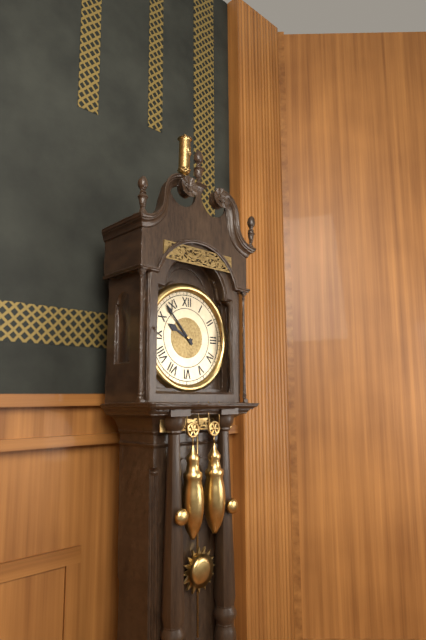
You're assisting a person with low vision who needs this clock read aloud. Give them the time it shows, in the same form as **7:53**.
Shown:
**9:53**
